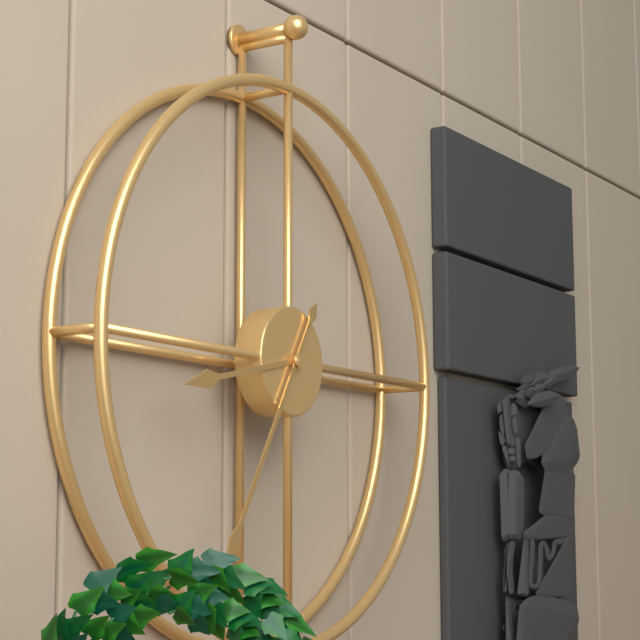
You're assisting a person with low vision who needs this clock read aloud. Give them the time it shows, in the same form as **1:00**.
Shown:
**8:35**
